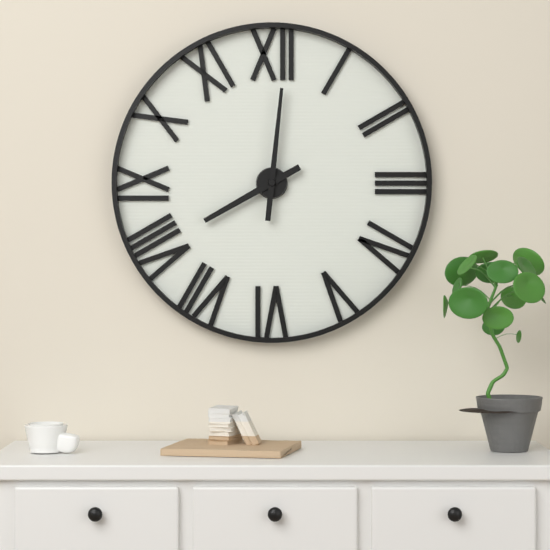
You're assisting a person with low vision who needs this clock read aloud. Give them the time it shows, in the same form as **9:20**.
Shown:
**8:01**
